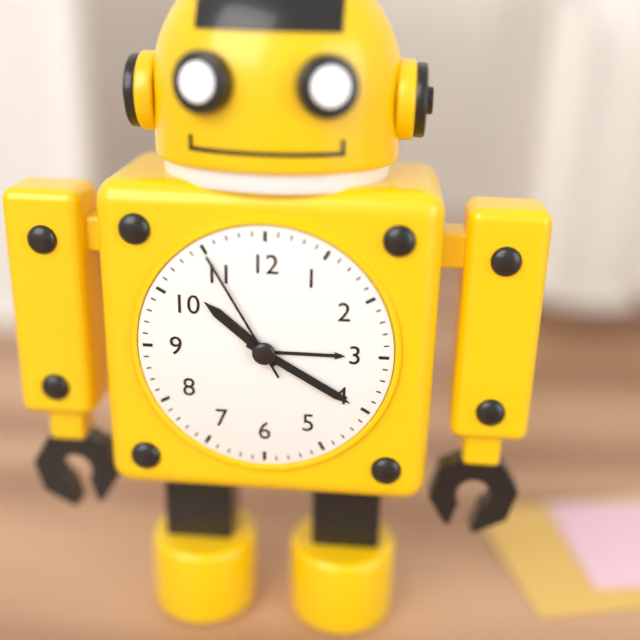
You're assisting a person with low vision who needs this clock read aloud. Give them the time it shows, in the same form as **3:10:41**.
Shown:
**10:20:55**
